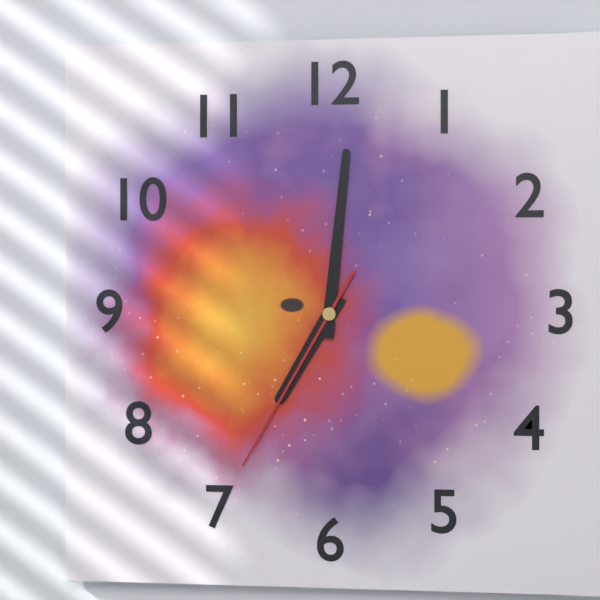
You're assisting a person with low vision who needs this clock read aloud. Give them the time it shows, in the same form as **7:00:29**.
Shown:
**7:01:35**
